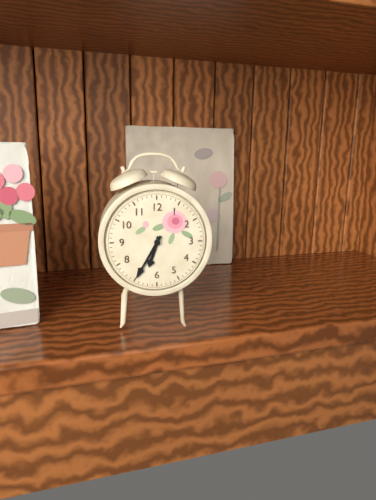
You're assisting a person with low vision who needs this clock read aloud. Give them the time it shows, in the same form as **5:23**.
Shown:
**6:35**
